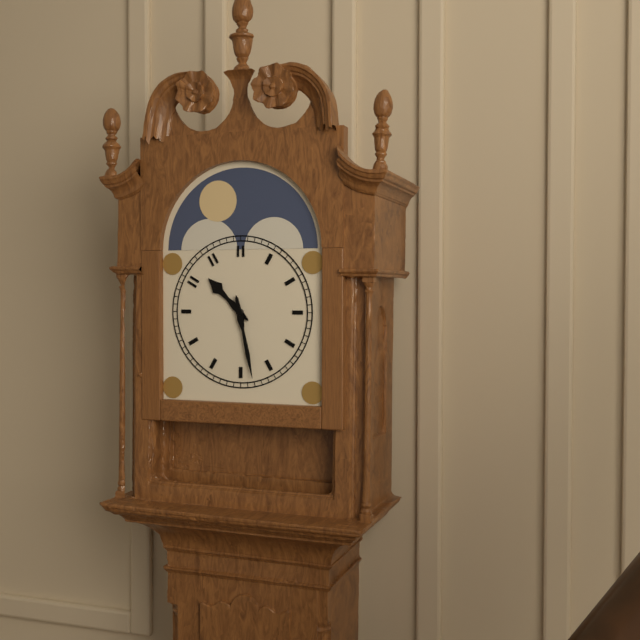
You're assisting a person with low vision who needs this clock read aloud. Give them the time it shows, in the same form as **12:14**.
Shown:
**10:28**
